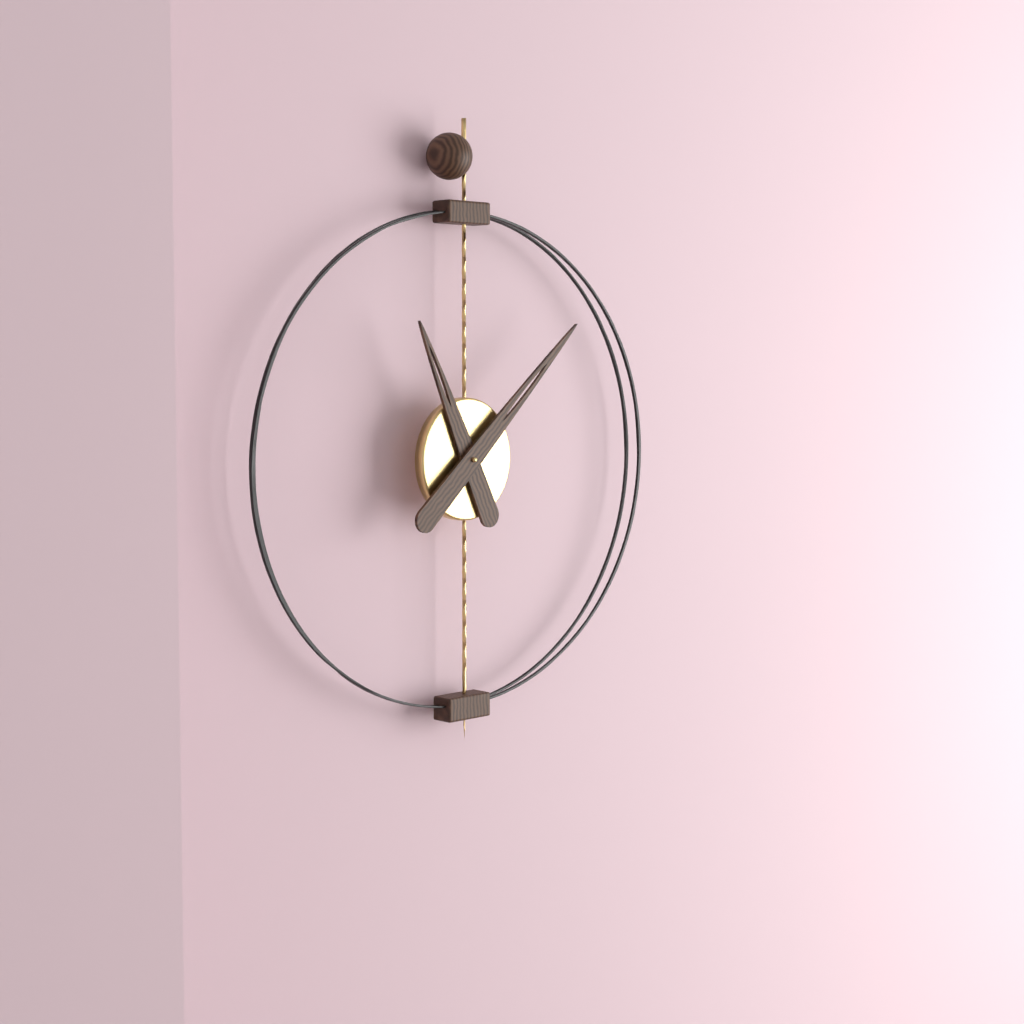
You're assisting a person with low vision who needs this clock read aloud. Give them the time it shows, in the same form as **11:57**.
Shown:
**11:08**
